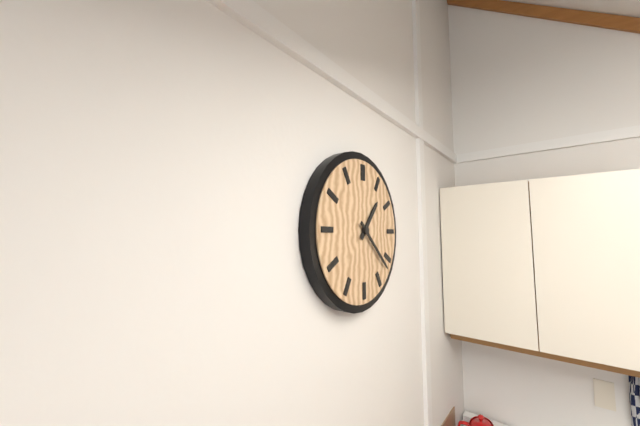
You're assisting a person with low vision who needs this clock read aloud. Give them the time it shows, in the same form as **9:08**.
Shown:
**1:22**
